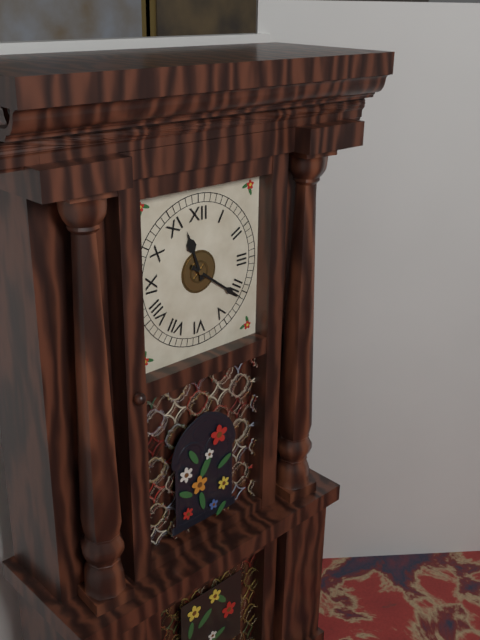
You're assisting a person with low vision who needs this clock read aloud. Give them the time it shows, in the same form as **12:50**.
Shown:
**11:21**
